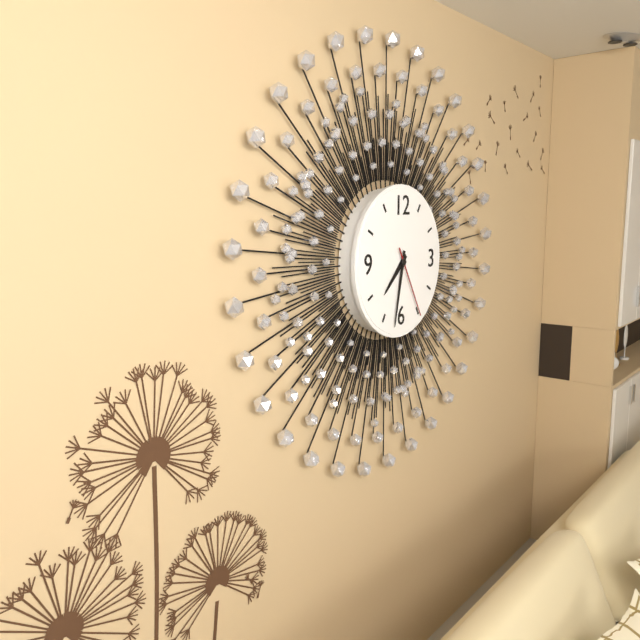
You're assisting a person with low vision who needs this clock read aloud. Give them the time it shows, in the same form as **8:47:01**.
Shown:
**7:32:25**
